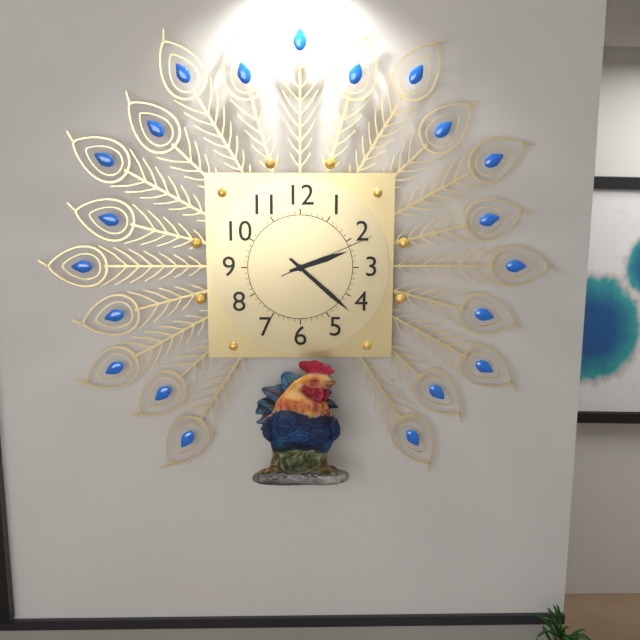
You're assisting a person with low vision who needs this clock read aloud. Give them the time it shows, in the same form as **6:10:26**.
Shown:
**2:22:11**
